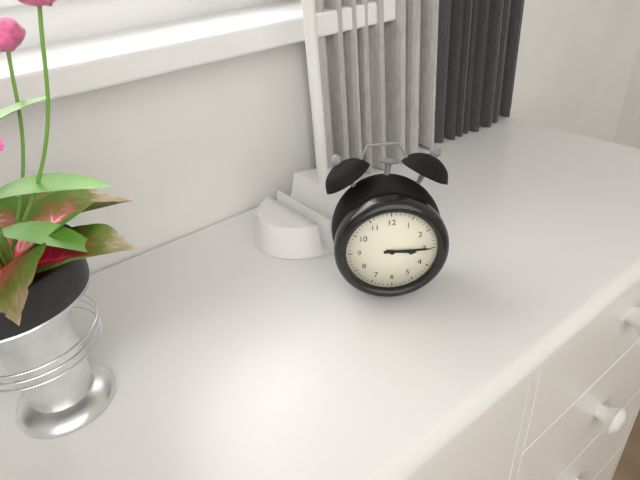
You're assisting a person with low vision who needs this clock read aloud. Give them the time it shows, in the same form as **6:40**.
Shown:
**3:15**
